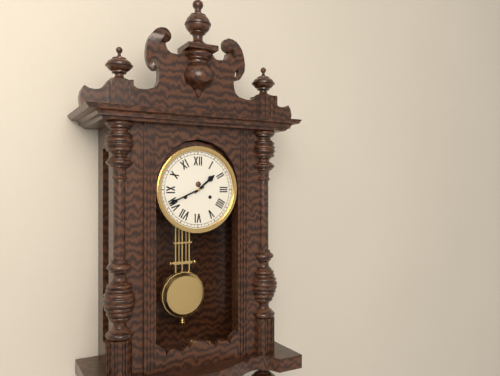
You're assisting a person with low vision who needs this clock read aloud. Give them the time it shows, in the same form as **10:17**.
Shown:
**1:41**
